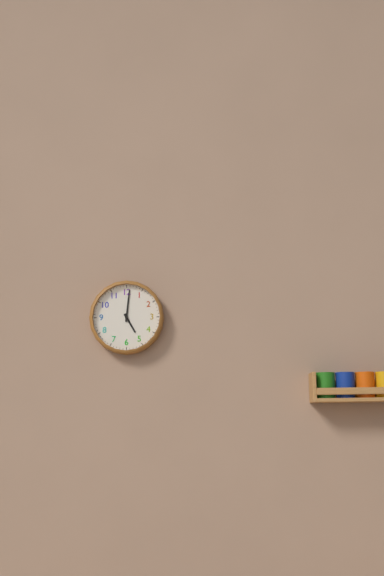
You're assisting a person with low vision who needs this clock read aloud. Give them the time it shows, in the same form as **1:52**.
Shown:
**5:01**
